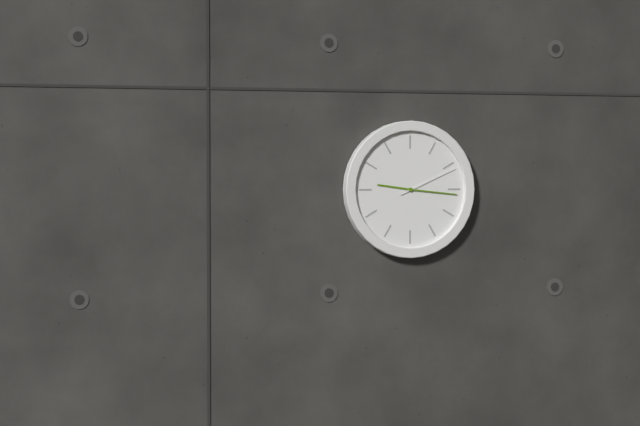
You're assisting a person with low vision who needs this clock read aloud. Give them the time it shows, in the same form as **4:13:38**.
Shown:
**9:16:11**
